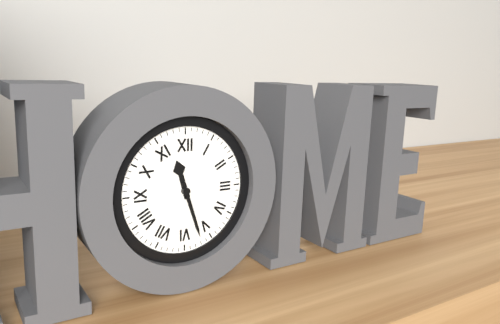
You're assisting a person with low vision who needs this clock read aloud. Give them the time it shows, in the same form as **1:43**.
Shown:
**11:27**
